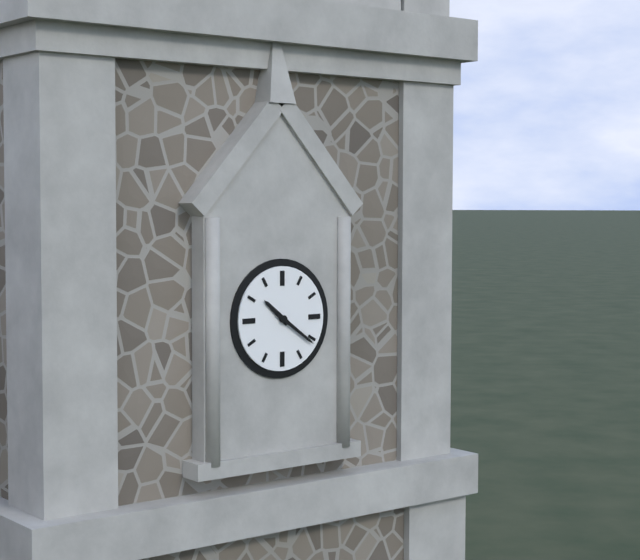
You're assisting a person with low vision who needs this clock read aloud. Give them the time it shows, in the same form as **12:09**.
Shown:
**10:21**
